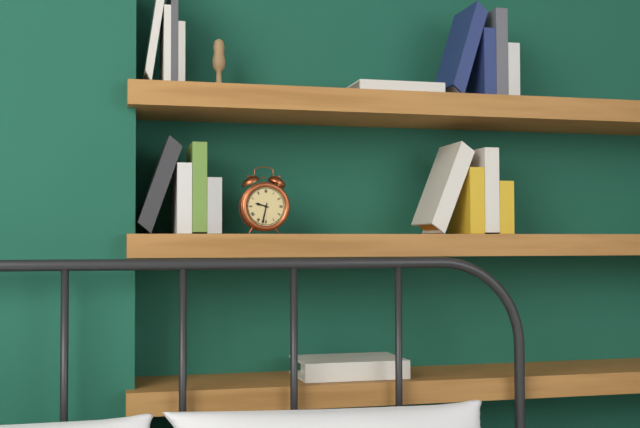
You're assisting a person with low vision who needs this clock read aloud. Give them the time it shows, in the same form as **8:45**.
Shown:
**9:32**
